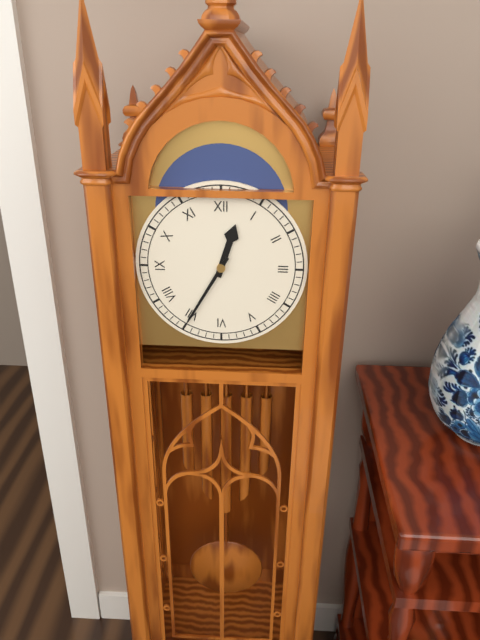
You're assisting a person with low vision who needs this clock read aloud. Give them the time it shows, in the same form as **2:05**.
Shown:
**12:35**
